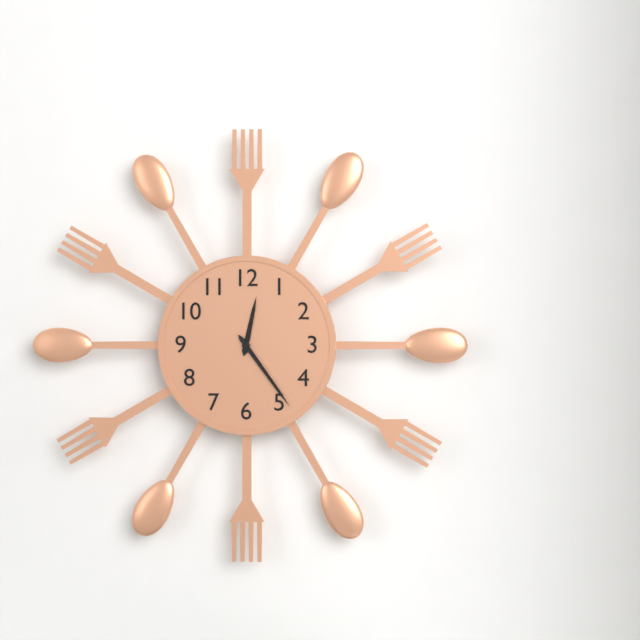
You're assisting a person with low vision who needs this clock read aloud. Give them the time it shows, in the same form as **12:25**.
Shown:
**12:24**
